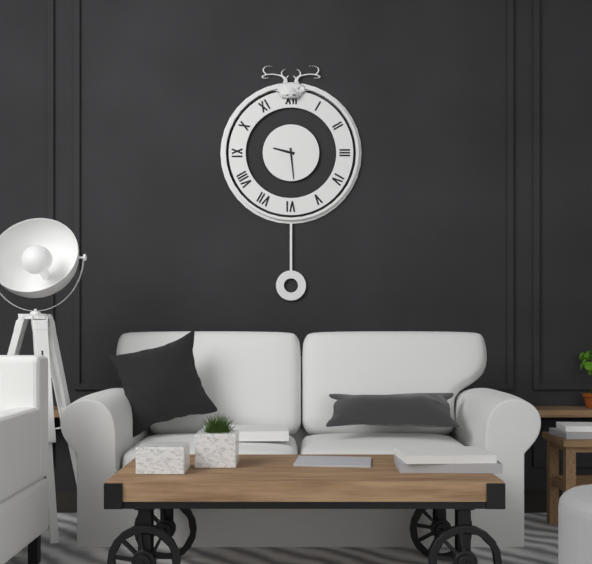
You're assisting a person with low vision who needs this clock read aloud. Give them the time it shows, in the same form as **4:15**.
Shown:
**9:29**
